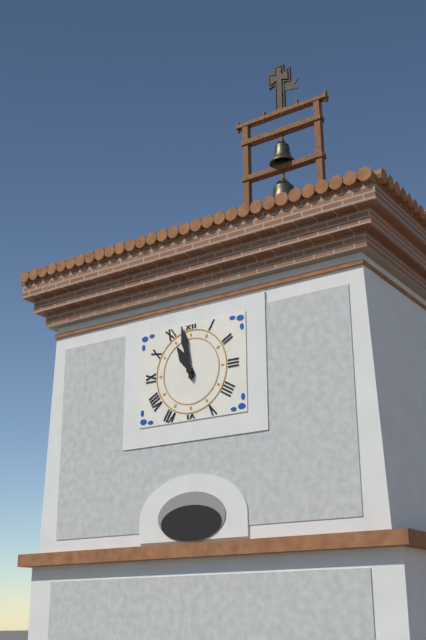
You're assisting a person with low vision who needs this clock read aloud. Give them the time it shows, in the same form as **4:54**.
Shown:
**10:58**
